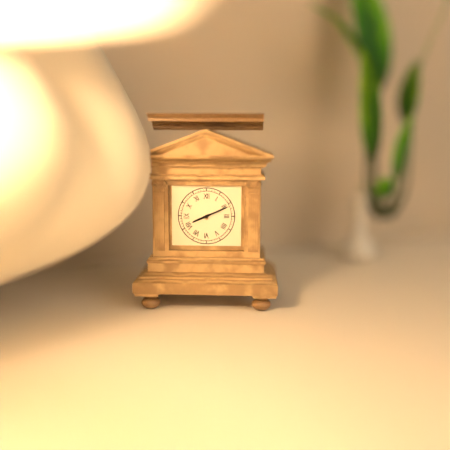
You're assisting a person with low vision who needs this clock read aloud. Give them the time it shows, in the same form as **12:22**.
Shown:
**8:11**
